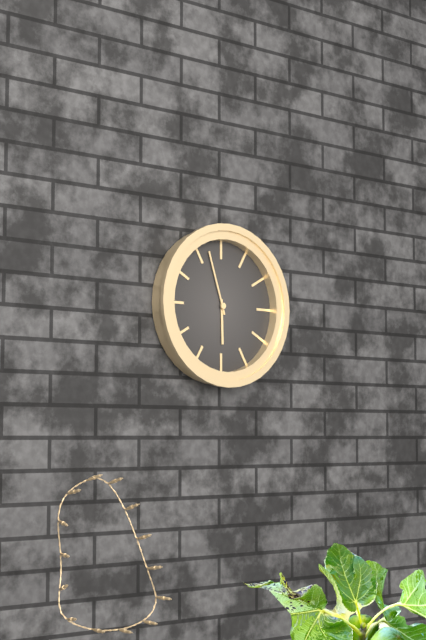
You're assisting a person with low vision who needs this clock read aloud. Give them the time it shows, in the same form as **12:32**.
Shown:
**5:57**
